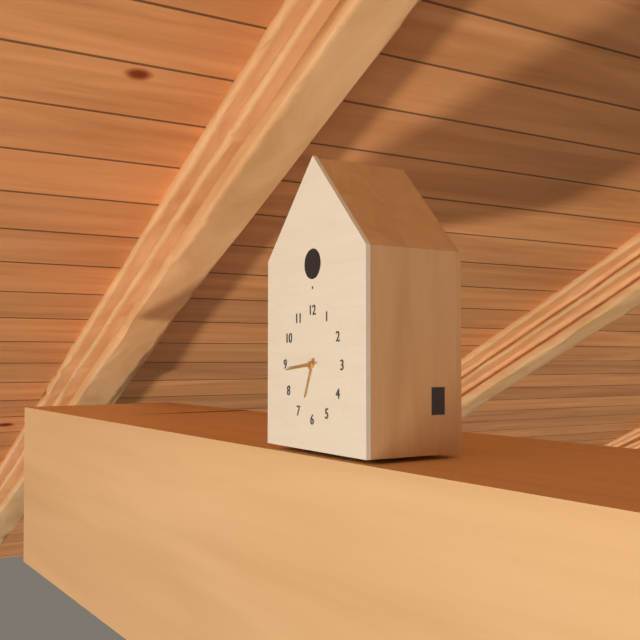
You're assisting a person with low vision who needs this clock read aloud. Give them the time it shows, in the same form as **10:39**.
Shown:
**6:44**
